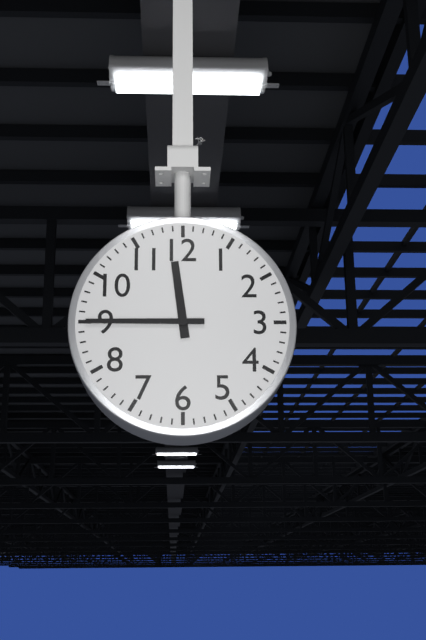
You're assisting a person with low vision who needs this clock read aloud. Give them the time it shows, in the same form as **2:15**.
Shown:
**11:45**
